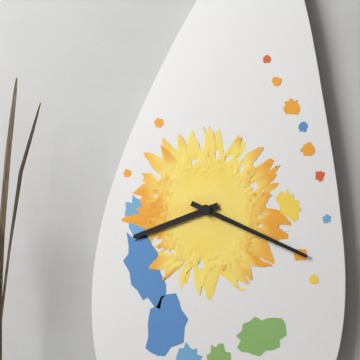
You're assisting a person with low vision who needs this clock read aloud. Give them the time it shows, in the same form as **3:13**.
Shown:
**8:19**
